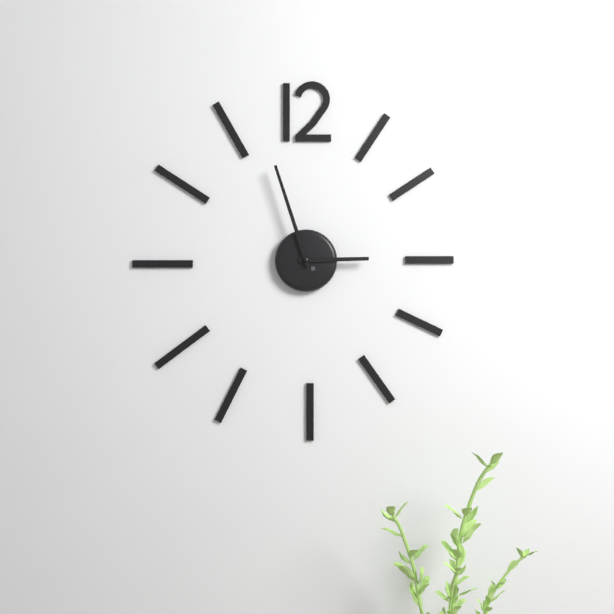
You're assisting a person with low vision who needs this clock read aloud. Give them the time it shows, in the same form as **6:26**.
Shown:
**2:57**
